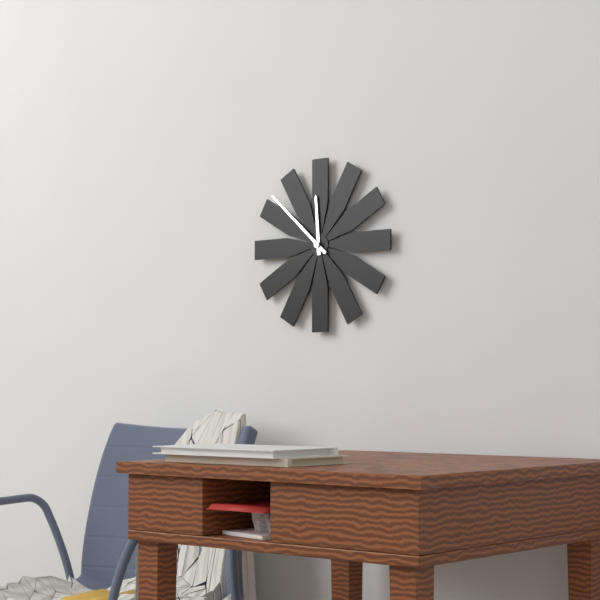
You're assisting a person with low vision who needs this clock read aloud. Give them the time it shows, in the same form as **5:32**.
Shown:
**11:52**
